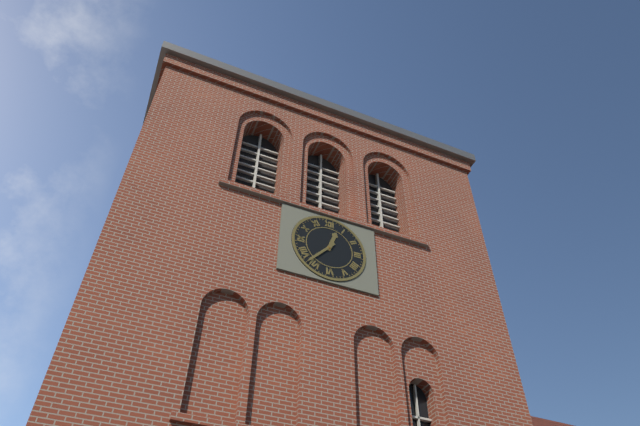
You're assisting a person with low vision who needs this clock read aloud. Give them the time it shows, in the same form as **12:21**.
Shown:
**12:37**
